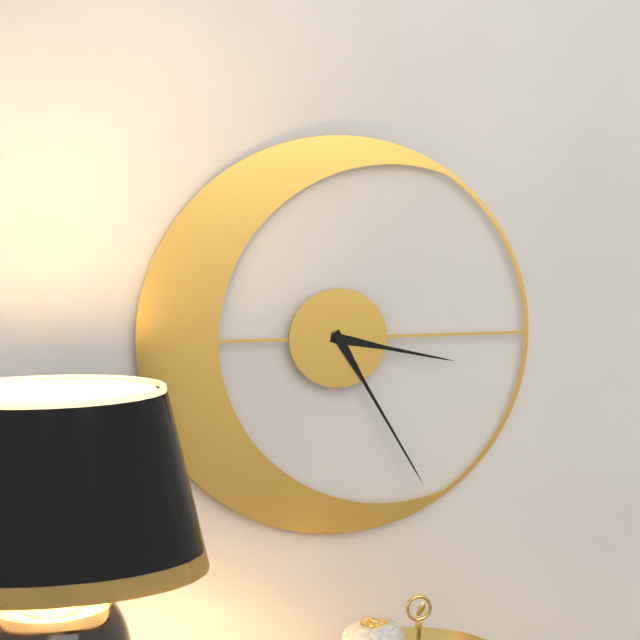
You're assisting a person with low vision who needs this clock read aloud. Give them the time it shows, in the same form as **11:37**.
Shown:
**3:25**
